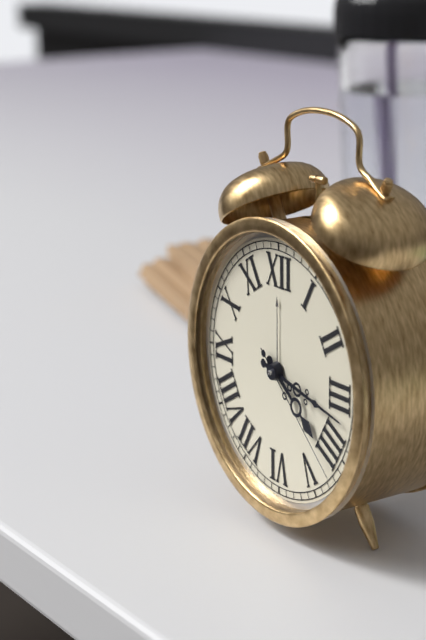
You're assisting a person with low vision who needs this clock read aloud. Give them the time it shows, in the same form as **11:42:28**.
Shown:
**4:17:22**
